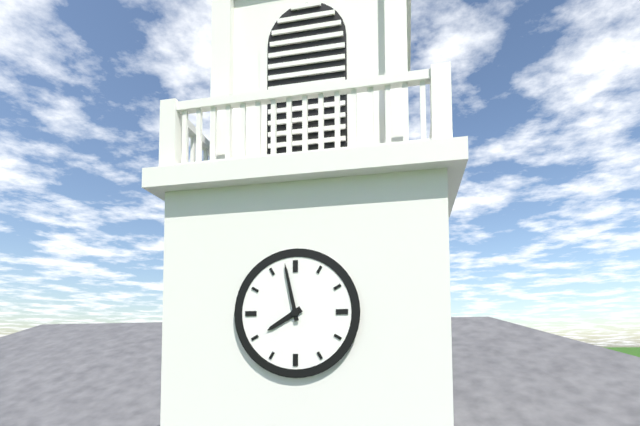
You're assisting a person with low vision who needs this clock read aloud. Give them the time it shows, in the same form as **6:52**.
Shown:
**7:58**
